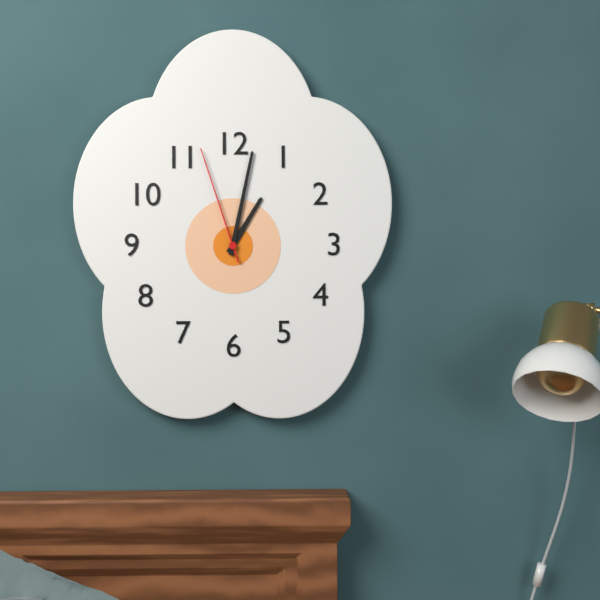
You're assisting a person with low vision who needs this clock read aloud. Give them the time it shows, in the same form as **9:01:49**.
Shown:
**1:02:57**
